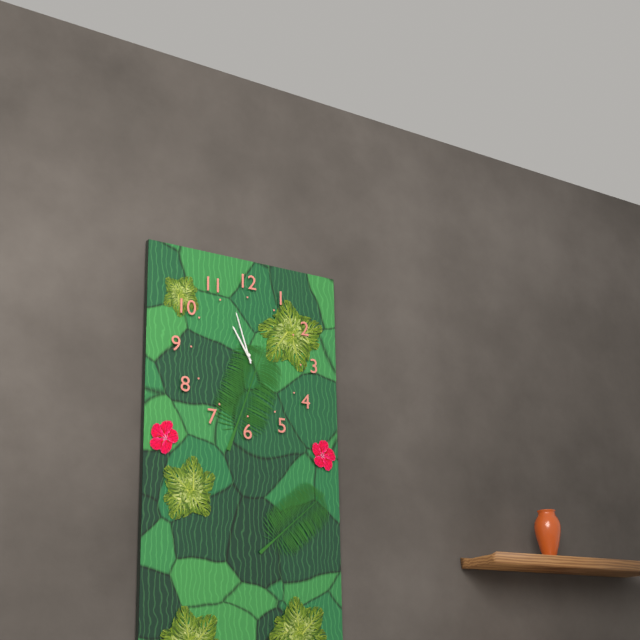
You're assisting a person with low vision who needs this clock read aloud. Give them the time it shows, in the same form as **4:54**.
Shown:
**10:57**
